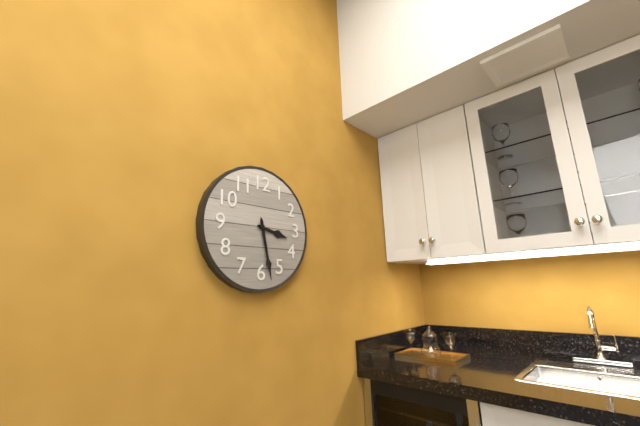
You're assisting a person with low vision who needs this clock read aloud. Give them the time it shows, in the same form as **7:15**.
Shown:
**3:28**
